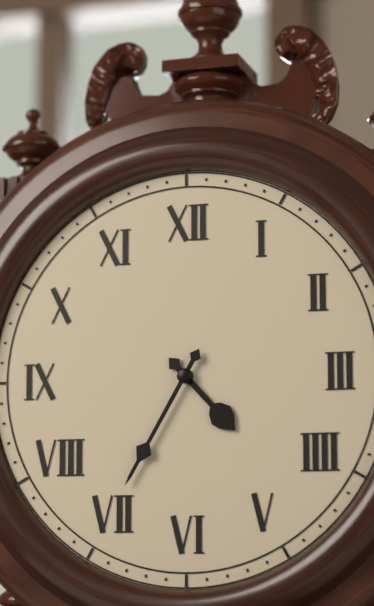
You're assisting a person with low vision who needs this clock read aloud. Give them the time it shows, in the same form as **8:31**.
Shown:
**4:35**
